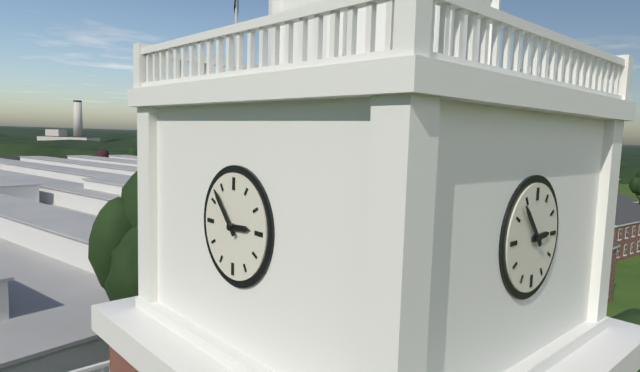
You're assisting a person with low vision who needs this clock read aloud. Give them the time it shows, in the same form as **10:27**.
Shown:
**2:53**
